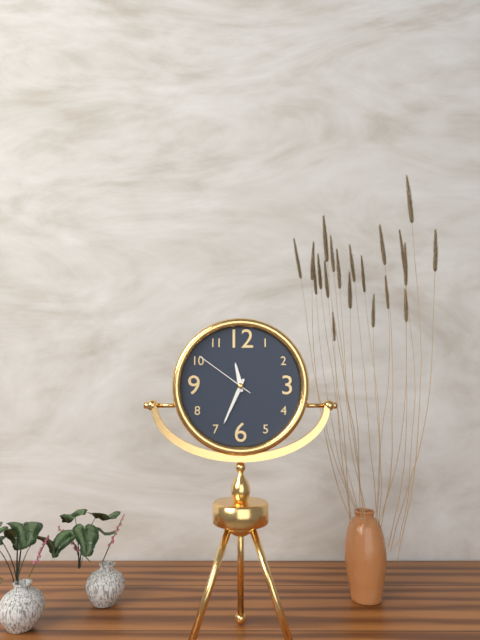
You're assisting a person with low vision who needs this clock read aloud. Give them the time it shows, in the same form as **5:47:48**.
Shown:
**11:34:51**
